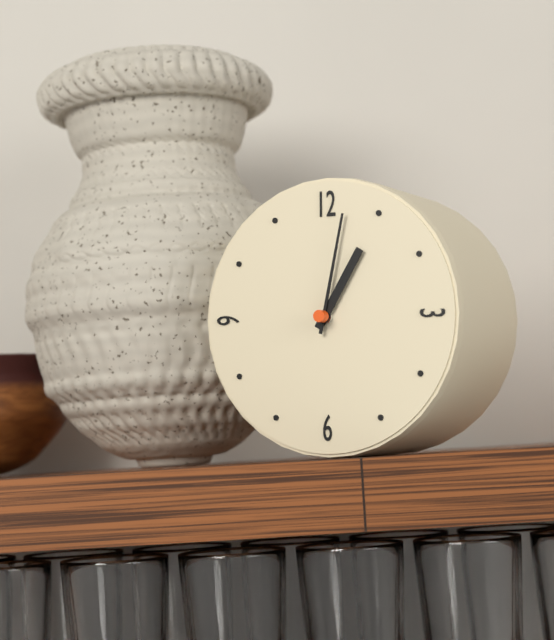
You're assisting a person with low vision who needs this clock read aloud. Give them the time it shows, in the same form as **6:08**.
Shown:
**1:02**
